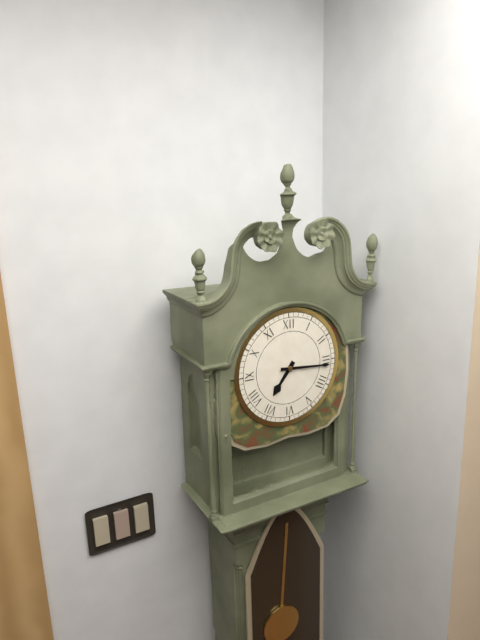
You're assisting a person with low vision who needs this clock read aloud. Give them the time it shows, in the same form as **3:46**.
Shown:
**7:16**
